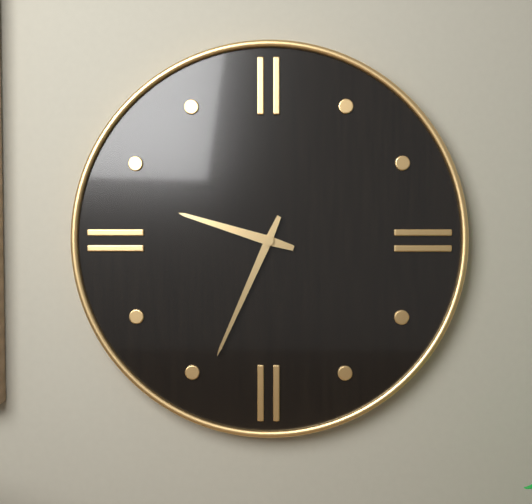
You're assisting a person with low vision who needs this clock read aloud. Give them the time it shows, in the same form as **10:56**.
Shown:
**9:34**
